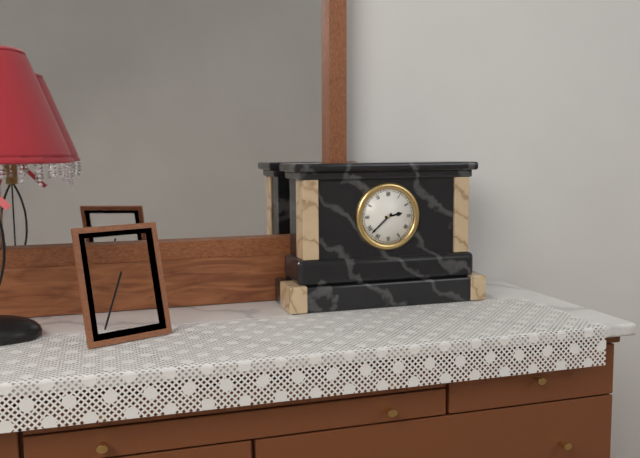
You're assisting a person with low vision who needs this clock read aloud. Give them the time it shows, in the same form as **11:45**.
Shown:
**2:38**
